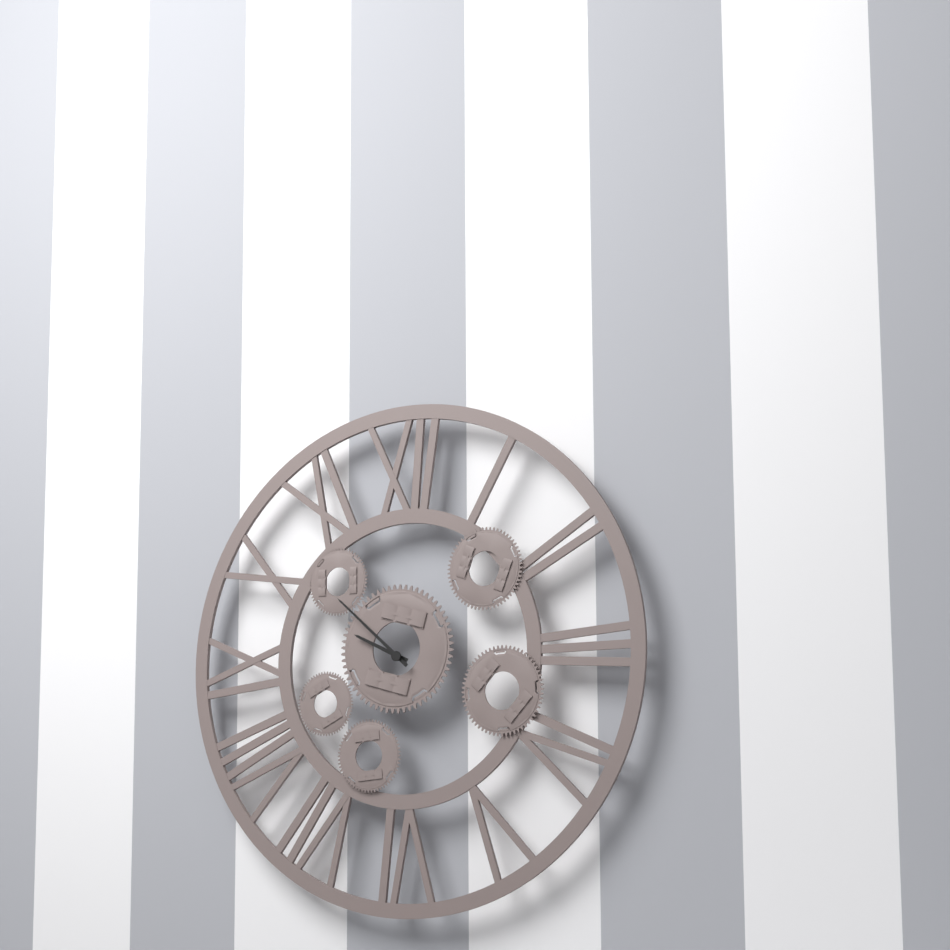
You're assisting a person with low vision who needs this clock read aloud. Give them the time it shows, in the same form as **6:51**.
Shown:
**9:52**
